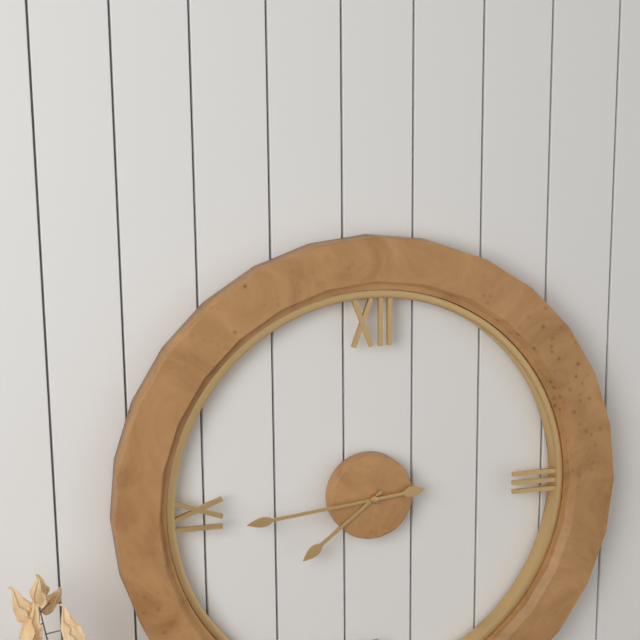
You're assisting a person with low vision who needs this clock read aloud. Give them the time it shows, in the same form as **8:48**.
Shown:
**7:44**
